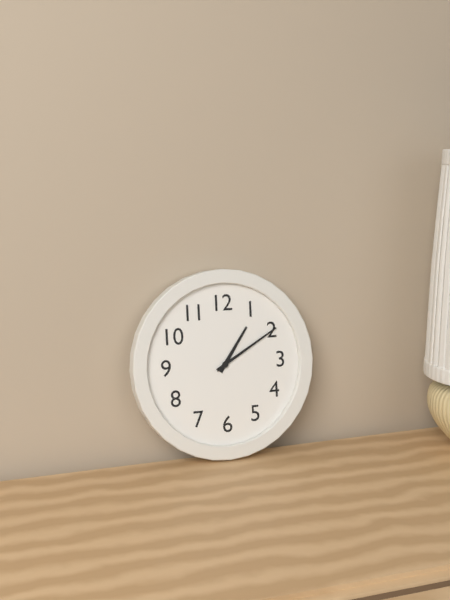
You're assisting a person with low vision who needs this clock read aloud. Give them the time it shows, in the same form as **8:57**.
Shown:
**1:10**
